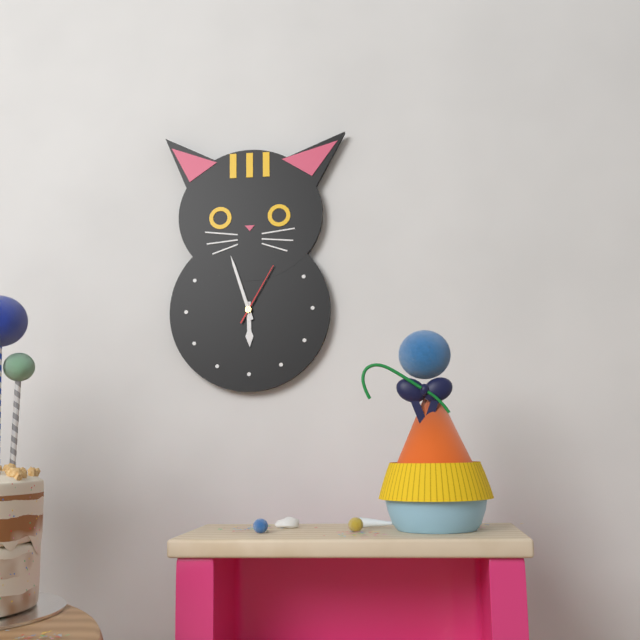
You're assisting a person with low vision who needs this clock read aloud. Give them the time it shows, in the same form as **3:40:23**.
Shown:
**5:57:05**
